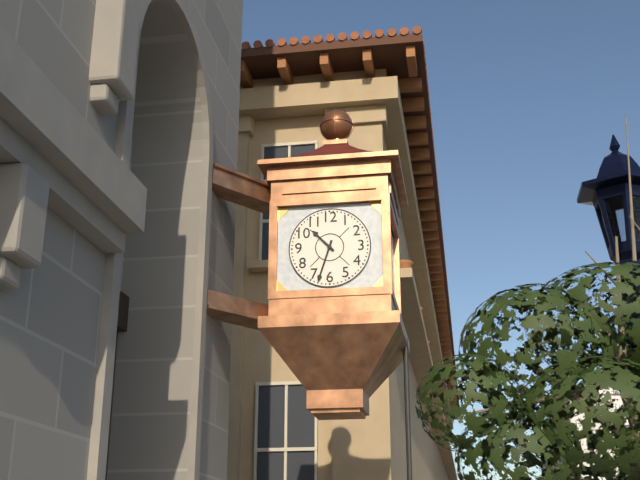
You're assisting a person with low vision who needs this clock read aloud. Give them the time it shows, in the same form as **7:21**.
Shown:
**10:33**
